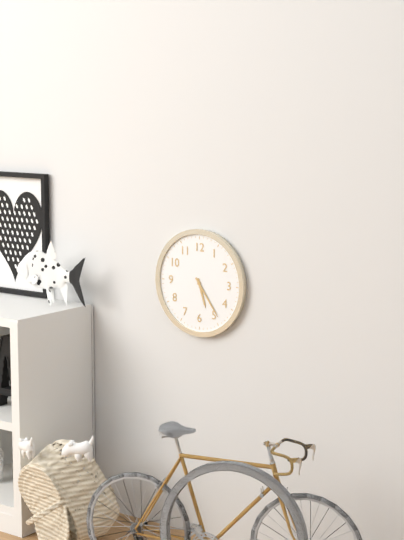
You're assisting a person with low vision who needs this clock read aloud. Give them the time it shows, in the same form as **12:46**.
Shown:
**5:24**
